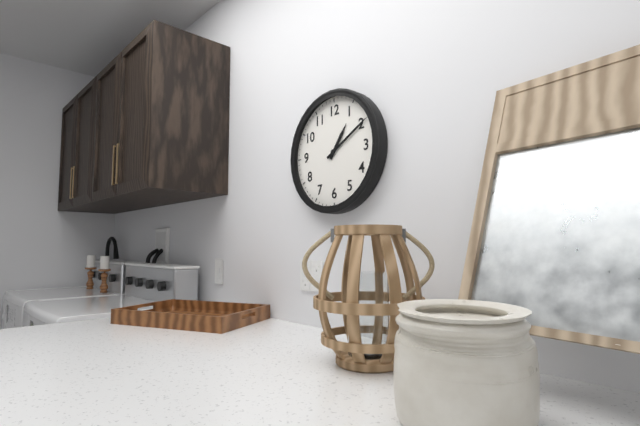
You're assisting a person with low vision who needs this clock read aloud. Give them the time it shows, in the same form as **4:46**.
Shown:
**1:10**
